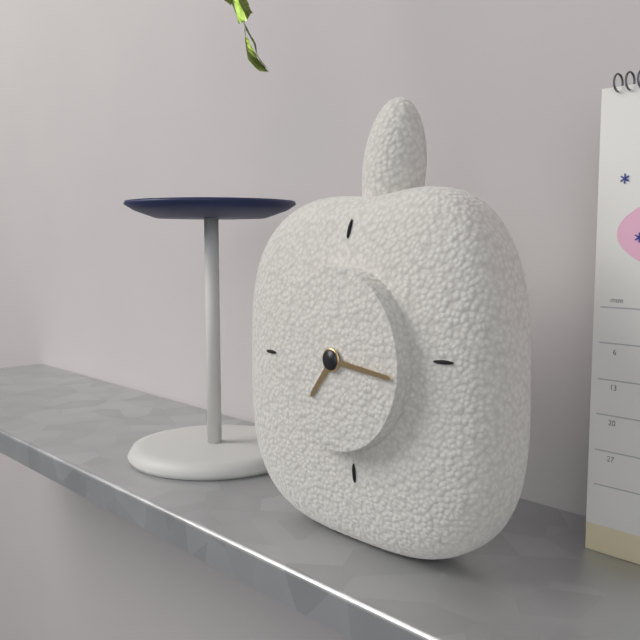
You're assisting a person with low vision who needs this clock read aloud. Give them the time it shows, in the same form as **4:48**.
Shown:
**7:16**
